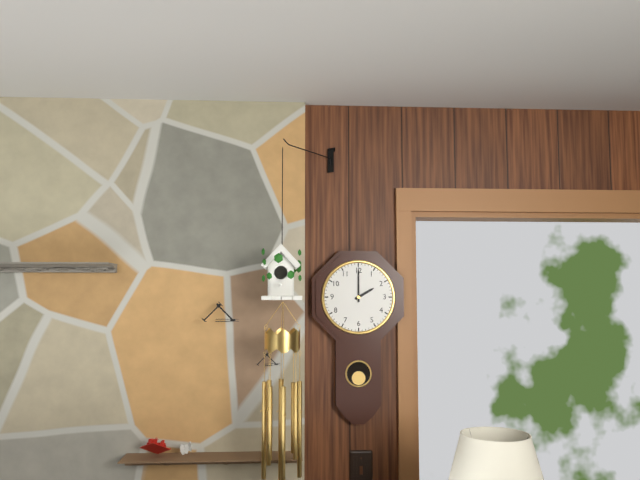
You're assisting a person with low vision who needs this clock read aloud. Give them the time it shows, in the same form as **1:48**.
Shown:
**2:00**
